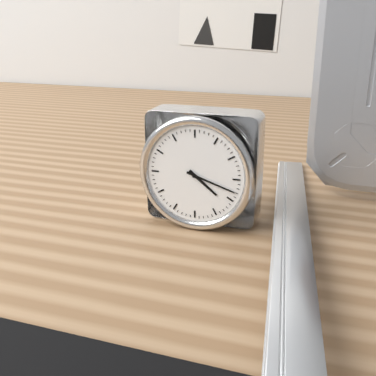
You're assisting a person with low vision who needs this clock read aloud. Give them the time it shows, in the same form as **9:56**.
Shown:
**4:18**
